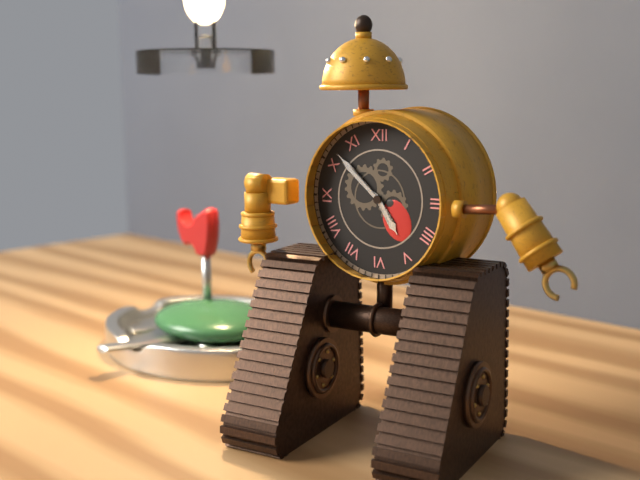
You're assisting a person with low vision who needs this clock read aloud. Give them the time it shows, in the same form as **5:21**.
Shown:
**4:52**
